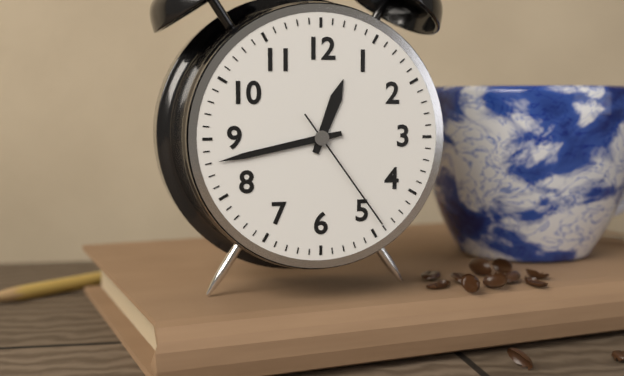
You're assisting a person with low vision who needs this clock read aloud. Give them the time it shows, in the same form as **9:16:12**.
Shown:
**12:43:24**
